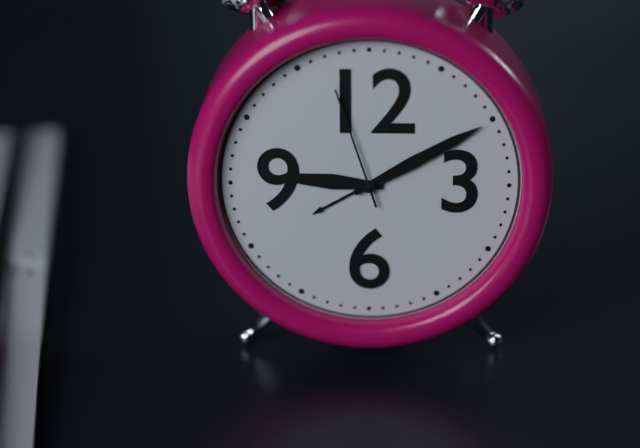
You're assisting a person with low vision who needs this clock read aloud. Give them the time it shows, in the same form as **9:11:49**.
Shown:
**9:10:57**
